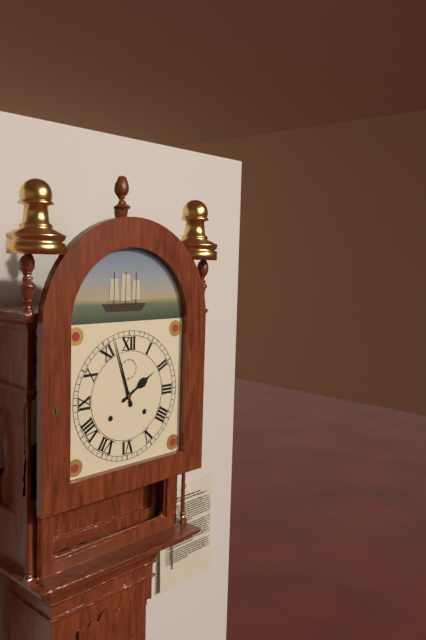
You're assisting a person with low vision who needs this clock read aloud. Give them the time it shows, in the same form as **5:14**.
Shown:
**1:57**
